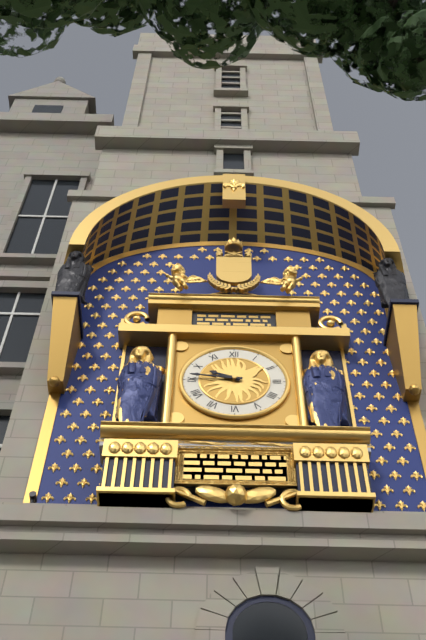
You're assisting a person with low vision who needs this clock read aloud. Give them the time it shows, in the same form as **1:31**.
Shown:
**9:46**
